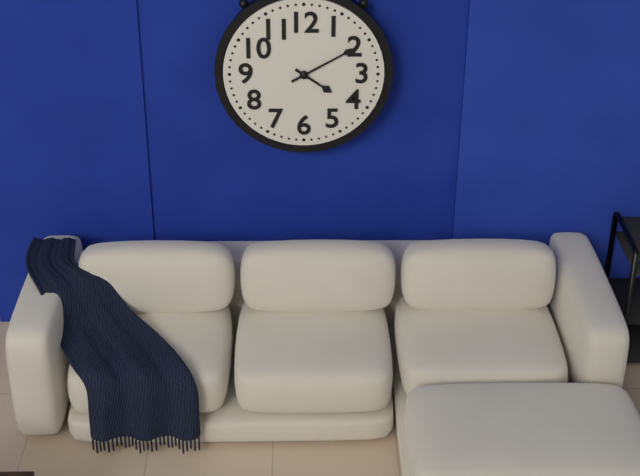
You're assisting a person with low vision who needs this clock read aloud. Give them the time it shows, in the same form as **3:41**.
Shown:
**4:10**
